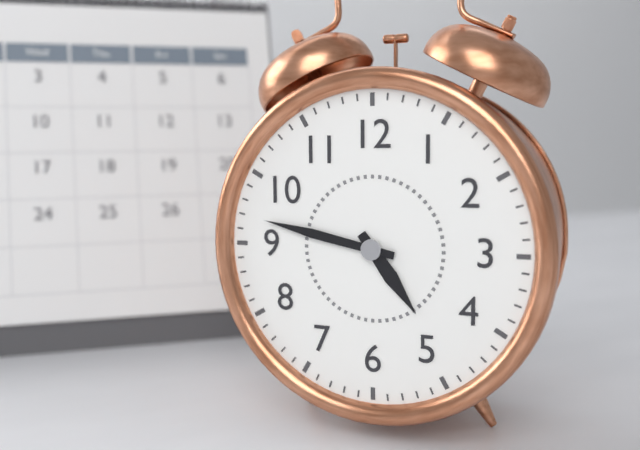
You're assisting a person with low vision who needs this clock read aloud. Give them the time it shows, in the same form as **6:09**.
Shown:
**4:47**
